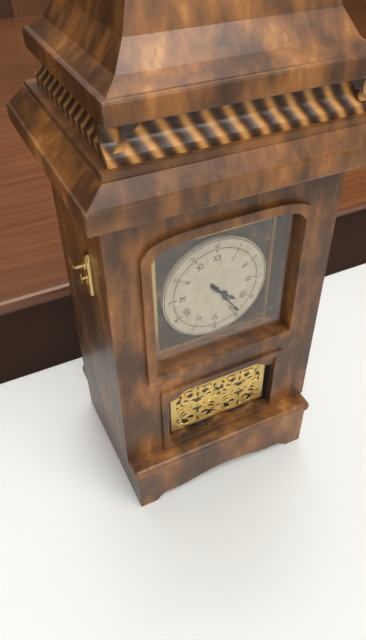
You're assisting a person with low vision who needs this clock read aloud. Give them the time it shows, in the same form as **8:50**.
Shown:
**4:24**
